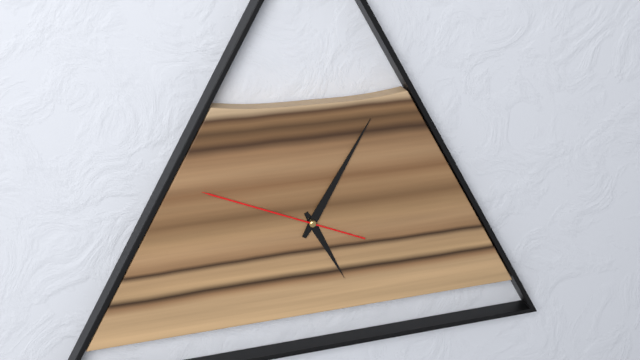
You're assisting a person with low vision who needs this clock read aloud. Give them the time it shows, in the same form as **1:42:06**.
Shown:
**5:05:49**
